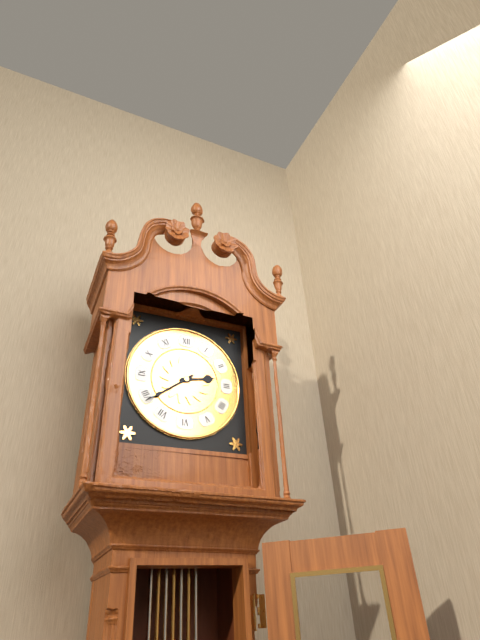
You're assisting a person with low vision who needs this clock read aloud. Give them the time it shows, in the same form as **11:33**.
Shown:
**2:39**
